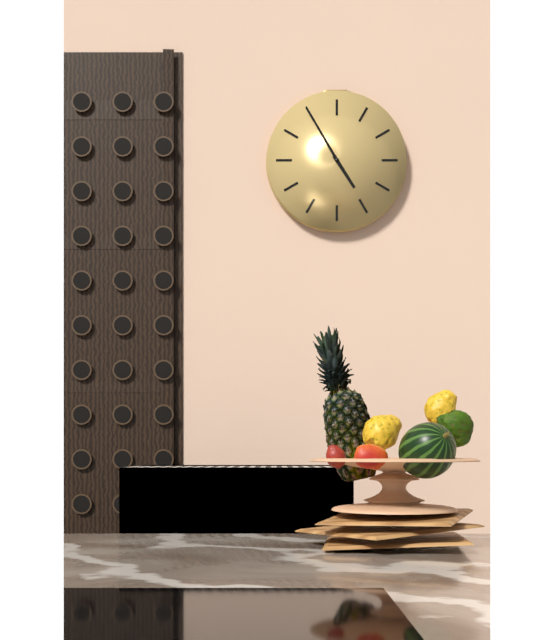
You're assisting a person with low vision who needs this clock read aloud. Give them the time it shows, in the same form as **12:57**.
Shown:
**4:55**
